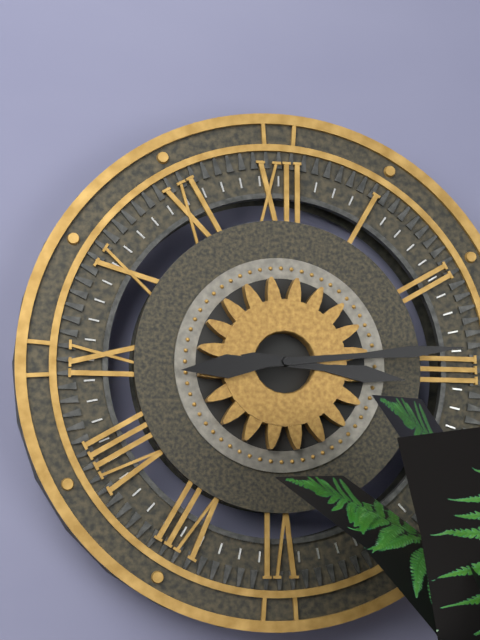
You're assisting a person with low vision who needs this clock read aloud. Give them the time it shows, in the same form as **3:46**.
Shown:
**3:14**
